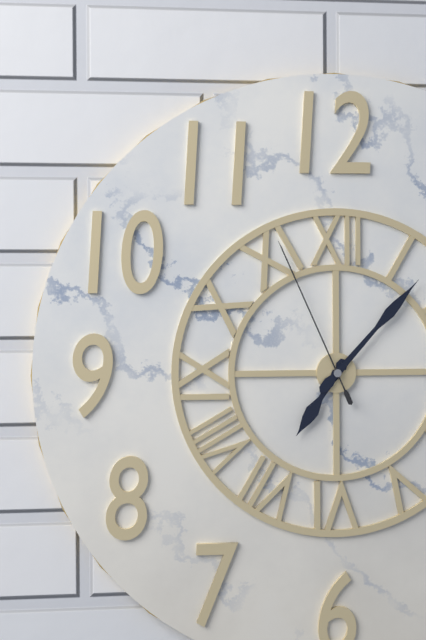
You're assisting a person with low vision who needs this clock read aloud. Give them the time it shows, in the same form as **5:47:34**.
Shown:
**7:07:56**
